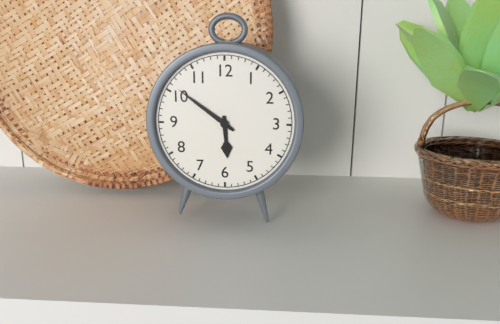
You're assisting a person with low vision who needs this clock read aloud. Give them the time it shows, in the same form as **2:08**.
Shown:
**5:51**
